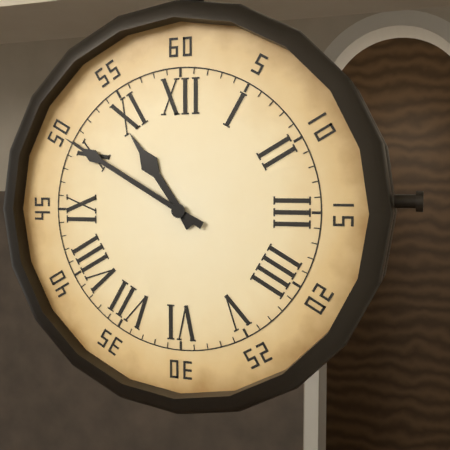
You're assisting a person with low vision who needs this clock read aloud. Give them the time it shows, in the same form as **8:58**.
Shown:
**10:50**
